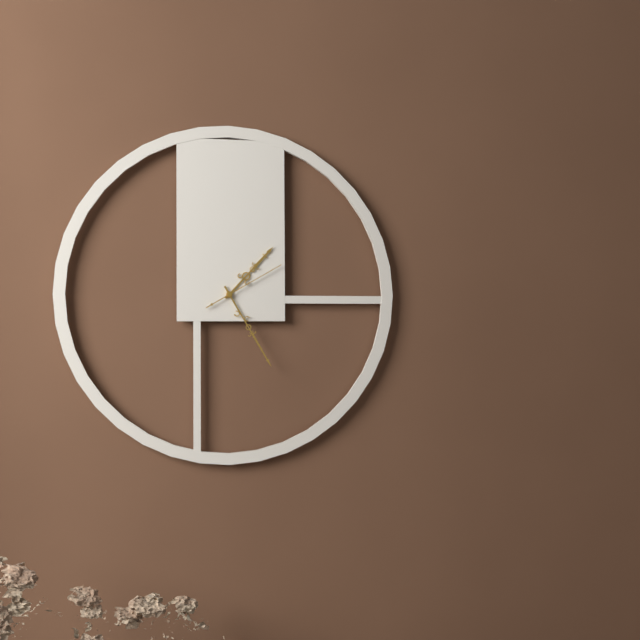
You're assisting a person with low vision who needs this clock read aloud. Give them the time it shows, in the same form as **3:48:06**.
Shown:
**1:25:10**
